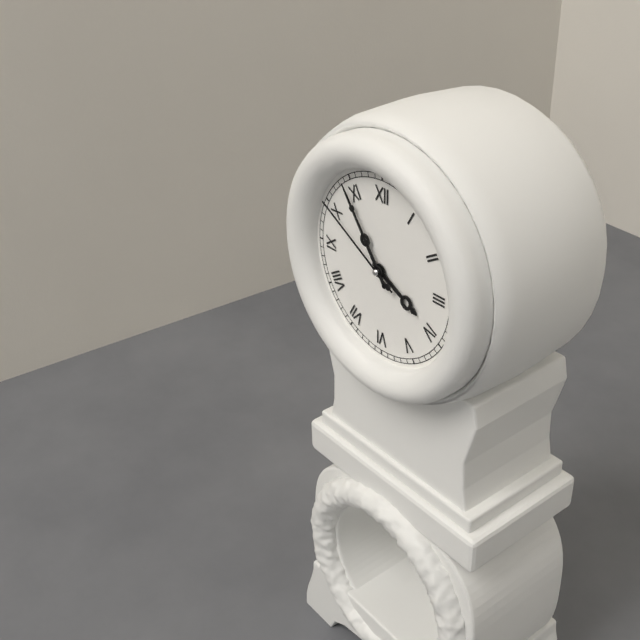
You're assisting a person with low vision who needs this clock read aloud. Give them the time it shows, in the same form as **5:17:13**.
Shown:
**3:54:50**
